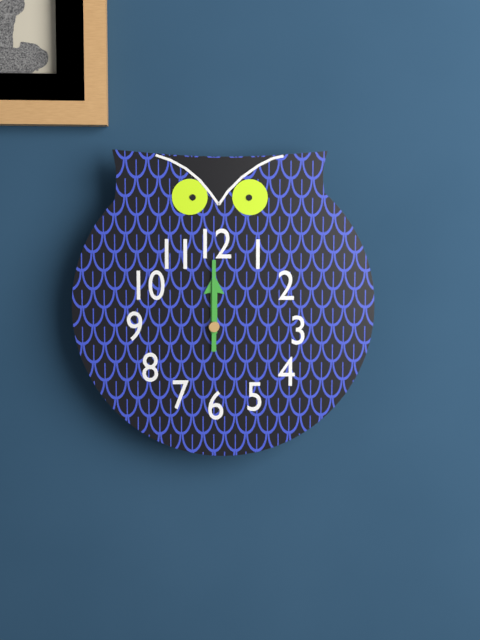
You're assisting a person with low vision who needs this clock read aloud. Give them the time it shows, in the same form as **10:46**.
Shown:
**12:00**
